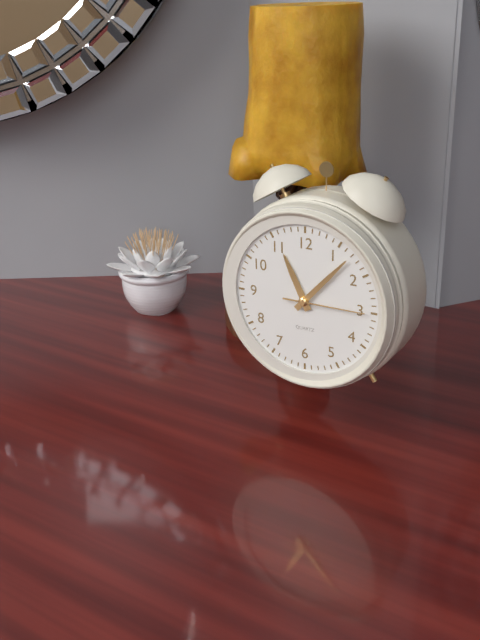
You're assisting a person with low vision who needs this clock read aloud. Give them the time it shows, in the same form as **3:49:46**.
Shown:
**11:07:15**
